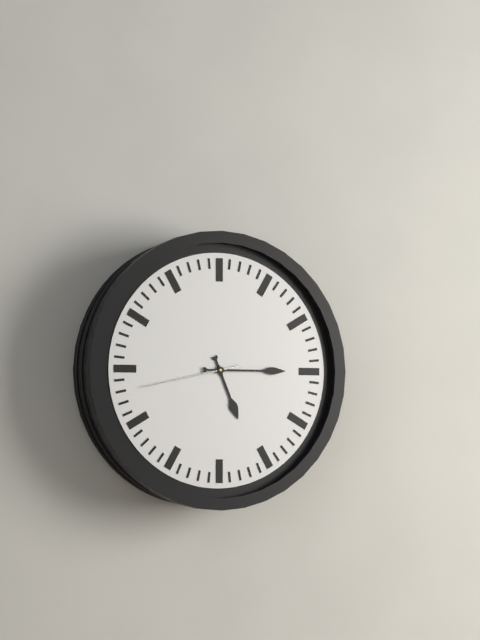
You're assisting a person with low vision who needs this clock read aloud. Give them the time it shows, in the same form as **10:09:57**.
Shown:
**5:15:43**
